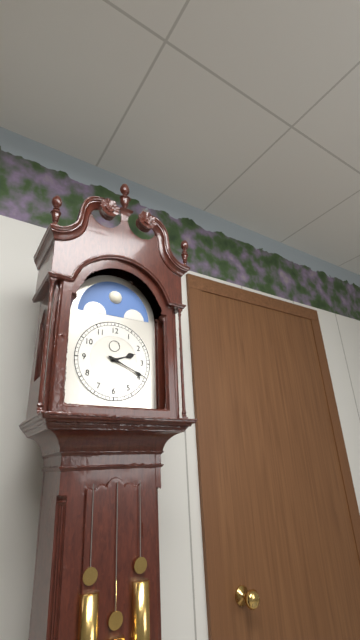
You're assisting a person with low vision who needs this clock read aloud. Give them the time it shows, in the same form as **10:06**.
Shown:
**2:19**
